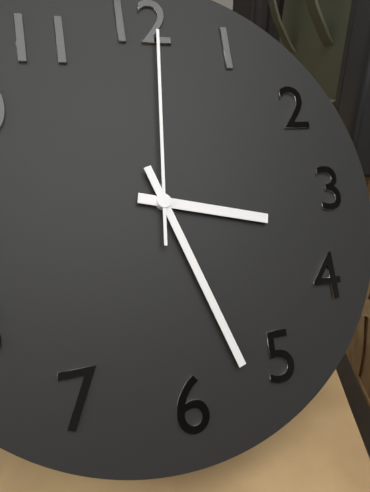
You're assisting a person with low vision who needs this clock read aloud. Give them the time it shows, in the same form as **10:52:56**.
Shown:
**3:27:01**
